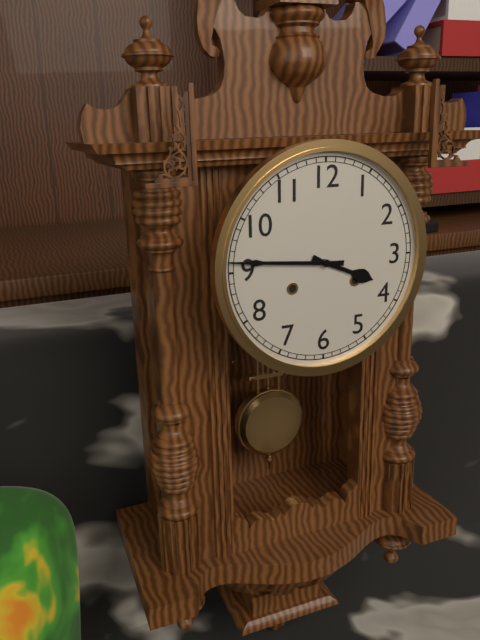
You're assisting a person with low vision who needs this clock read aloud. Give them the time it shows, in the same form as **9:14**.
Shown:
**3:46**
